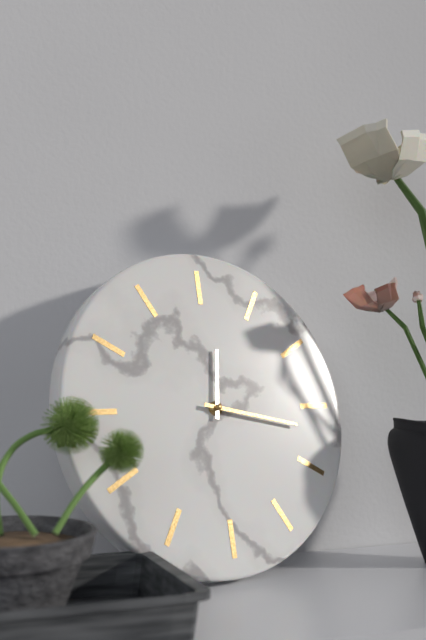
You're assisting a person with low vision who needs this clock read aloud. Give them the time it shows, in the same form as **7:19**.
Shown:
**12:17**
